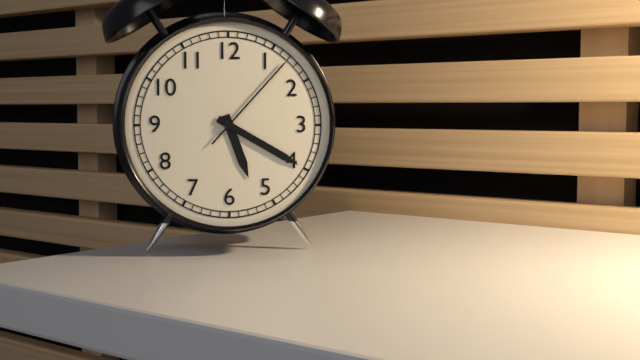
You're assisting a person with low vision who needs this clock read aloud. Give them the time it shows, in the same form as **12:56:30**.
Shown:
**5:20:07**
